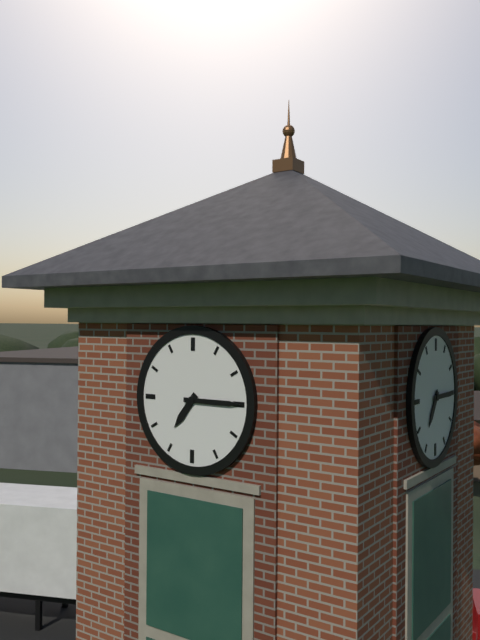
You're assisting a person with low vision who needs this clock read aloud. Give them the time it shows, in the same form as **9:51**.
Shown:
**7:15**
